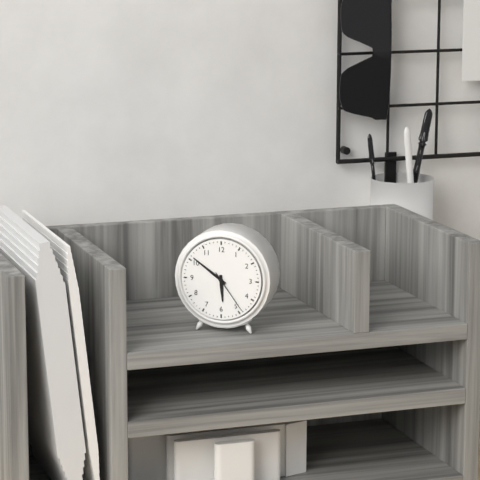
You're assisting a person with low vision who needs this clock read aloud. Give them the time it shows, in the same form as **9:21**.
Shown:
**5:51**
